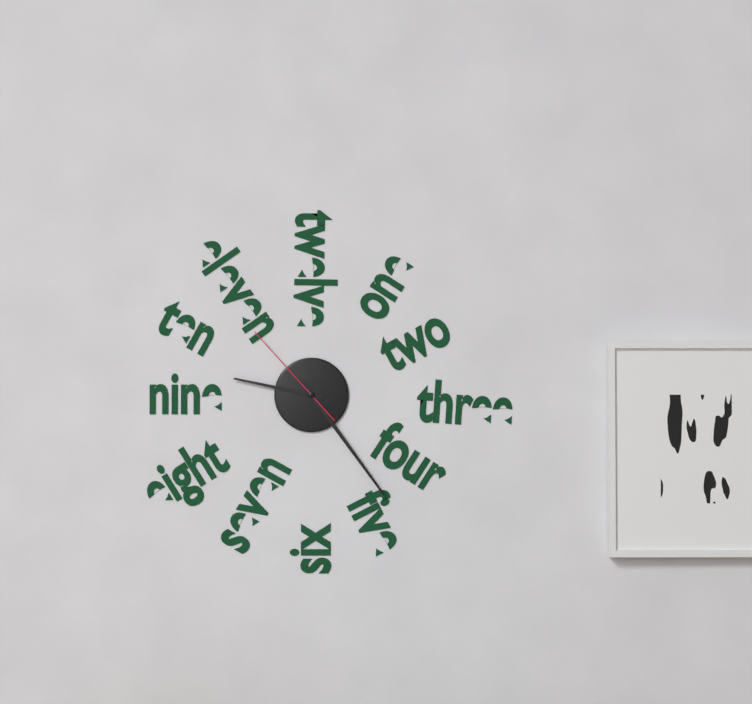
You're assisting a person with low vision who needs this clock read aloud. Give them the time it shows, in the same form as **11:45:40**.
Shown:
**9:24:53**
